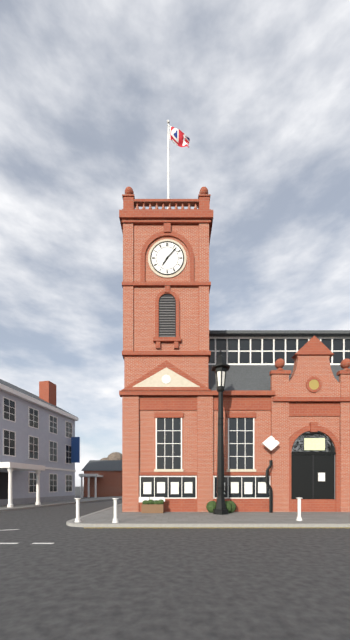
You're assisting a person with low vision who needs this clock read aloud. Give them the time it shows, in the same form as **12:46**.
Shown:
**7:07**
